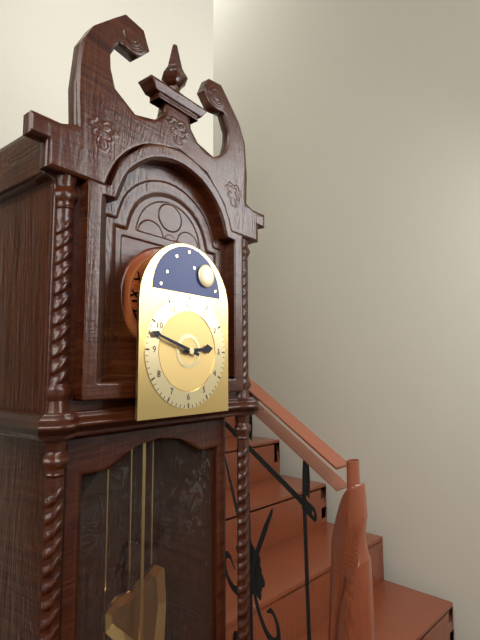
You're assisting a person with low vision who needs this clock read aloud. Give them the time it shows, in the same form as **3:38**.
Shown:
**2:48**
